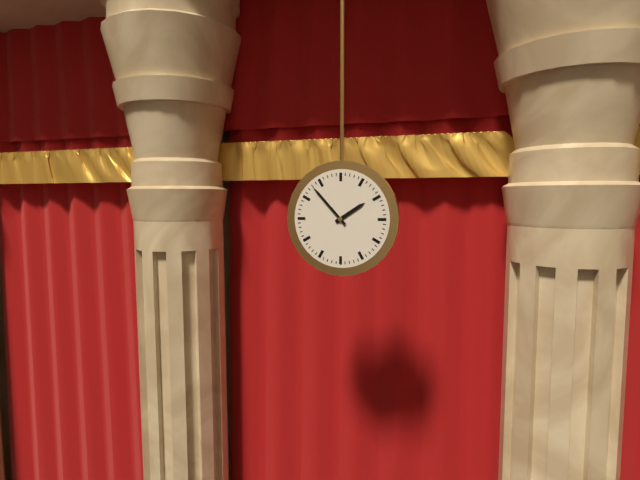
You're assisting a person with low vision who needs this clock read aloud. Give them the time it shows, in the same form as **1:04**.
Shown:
**1:53**
